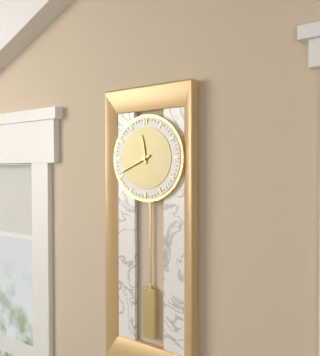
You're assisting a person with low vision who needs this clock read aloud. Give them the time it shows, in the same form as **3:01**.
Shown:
**11:41**
